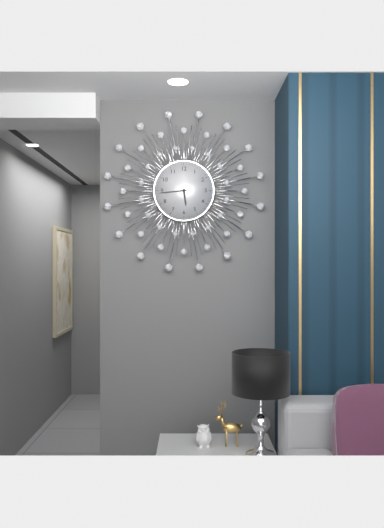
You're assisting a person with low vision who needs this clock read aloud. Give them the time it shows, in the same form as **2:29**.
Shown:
**5:44**
